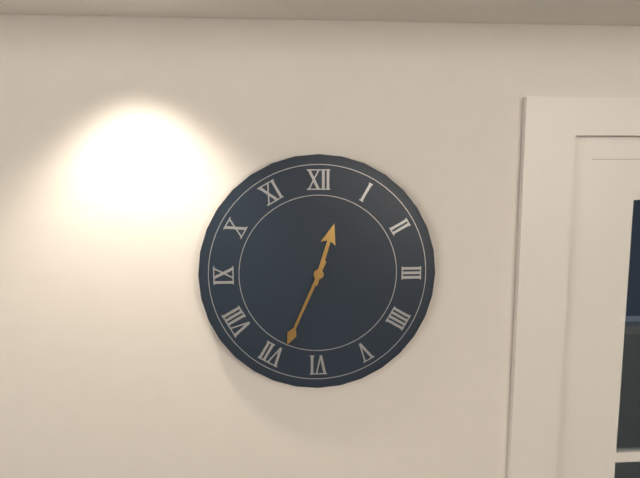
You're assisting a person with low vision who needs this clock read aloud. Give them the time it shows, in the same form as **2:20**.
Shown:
**12:34**
